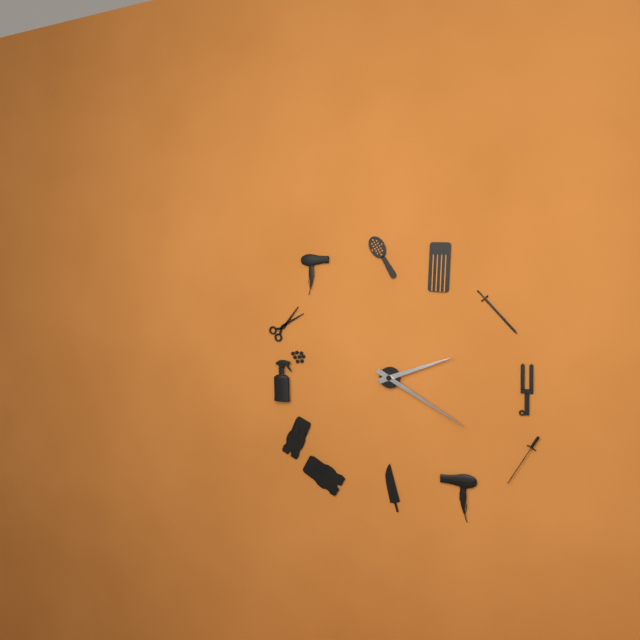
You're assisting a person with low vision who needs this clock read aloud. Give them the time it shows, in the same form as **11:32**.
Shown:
**2:20**
